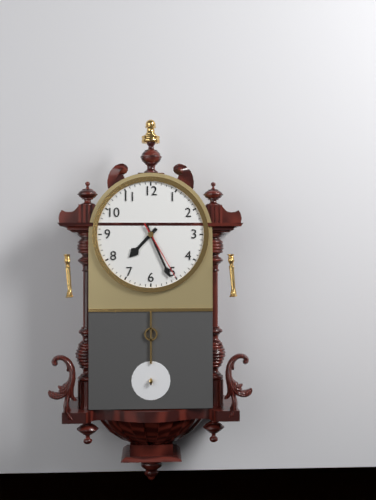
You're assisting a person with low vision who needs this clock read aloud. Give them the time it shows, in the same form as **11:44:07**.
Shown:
**7:26:25**
